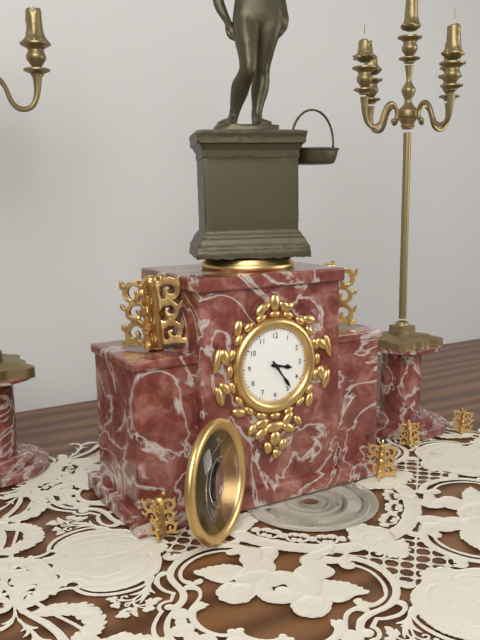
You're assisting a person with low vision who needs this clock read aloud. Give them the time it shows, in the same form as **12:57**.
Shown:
**3:24**
